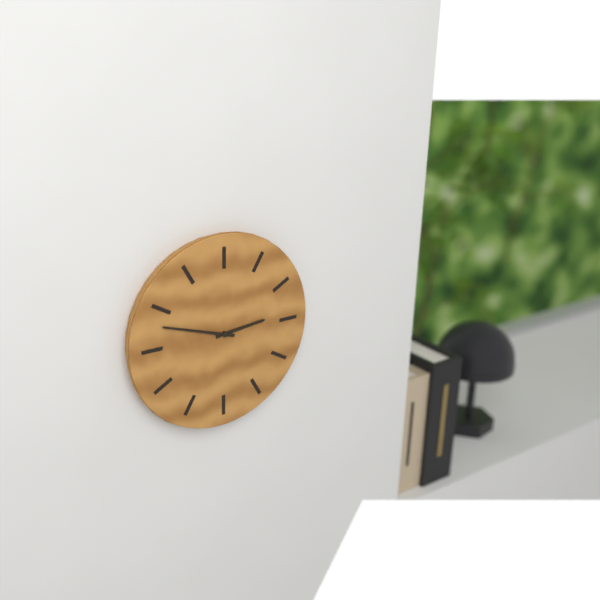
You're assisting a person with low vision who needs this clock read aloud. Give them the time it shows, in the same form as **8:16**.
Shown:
**2:48**
